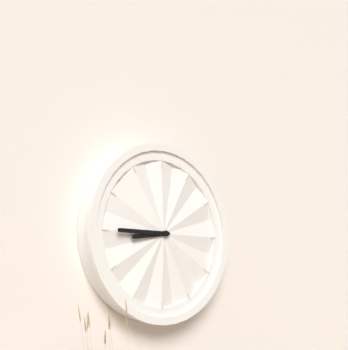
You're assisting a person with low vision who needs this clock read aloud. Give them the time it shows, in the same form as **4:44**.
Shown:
**8:45**
